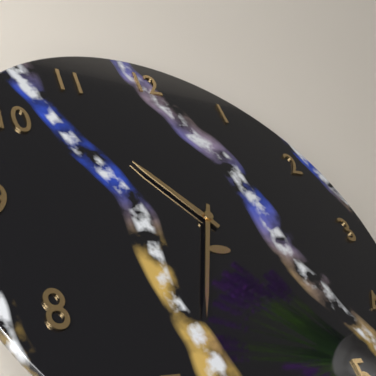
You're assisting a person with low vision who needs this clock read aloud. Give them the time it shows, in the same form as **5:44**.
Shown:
**10:34**
